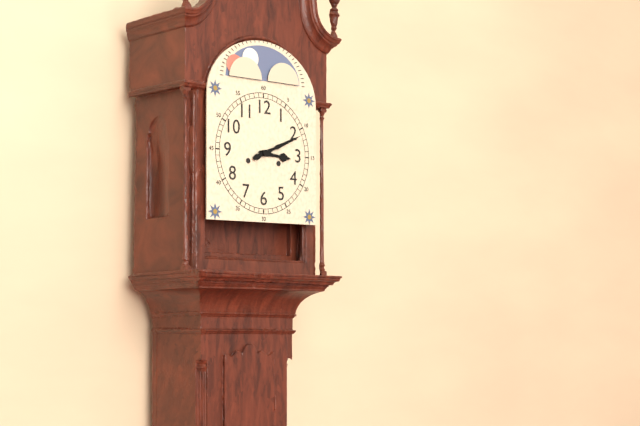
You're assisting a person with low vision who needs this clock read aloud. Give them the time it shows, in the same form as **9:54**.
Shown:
**3:11**
